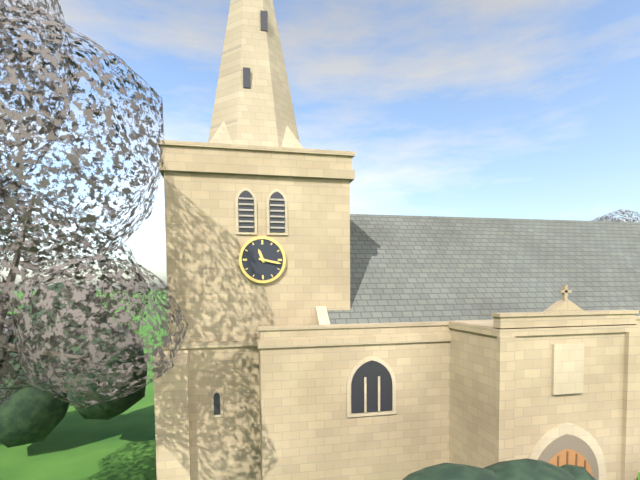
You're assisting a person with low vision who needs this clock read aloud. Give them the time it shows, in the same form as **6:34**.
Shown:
**11:17**
